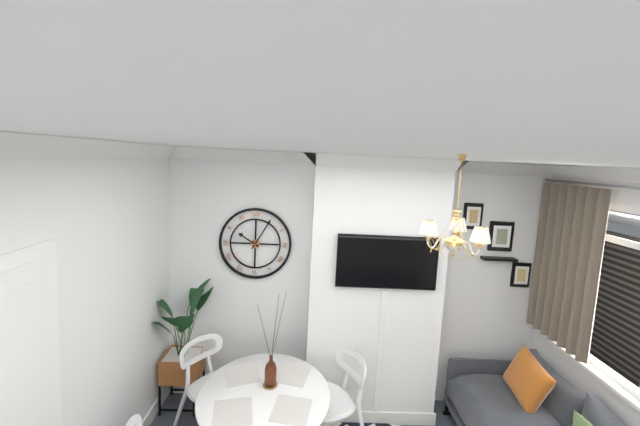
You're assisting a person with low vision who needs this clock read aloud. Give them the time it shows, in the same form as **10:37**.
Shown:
**10:05**
